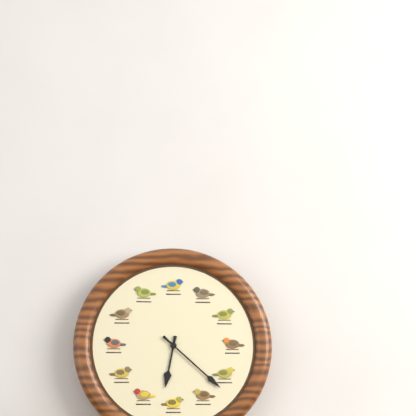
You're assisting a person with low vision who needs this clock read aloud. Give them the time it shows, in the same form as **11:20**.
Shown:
**6:22**
